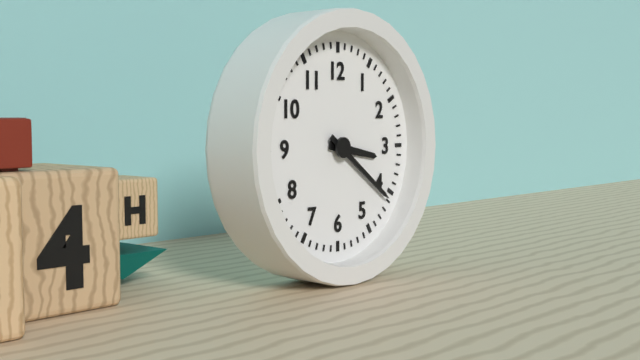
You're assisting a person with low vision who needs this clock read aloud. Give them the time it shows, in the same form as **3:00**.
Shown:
**3:21**
